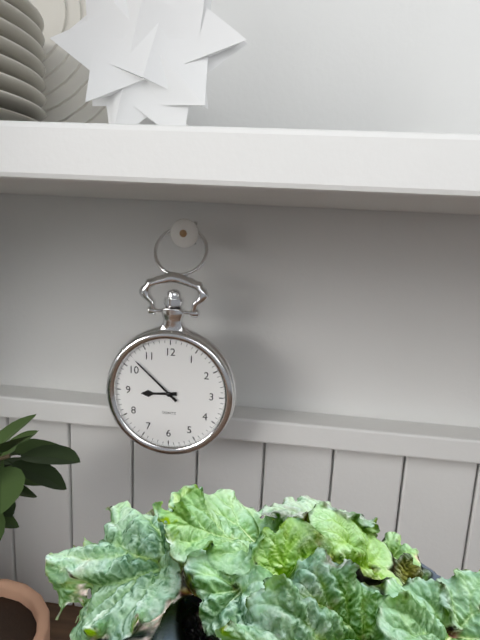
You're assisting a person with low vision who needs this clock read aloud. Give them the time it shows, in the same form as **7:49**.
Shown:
**8:52**
